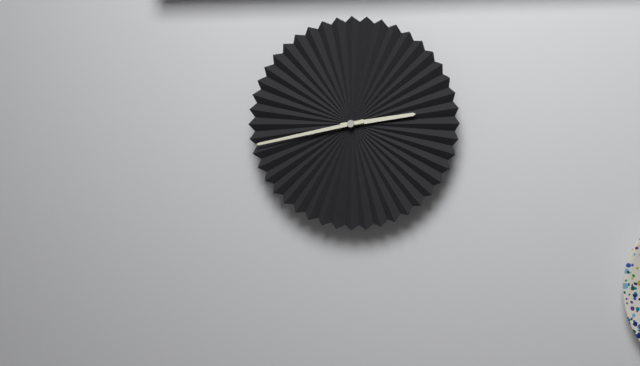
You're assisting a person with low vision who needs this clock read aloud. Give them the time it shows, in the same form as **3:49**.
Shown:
**2:43**
